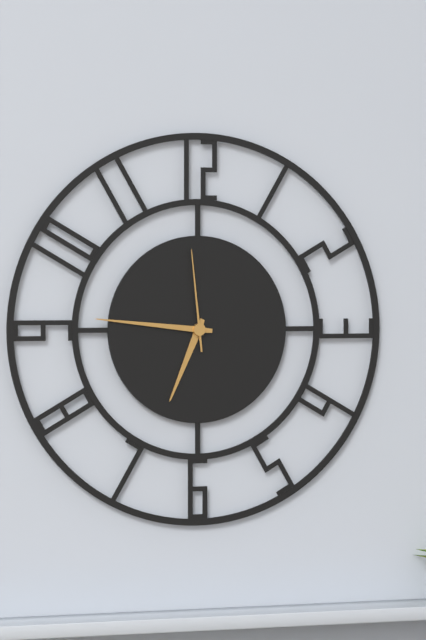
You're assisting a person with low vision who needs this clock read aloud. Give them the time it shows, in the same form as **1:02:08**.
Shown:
**6:46:59**
